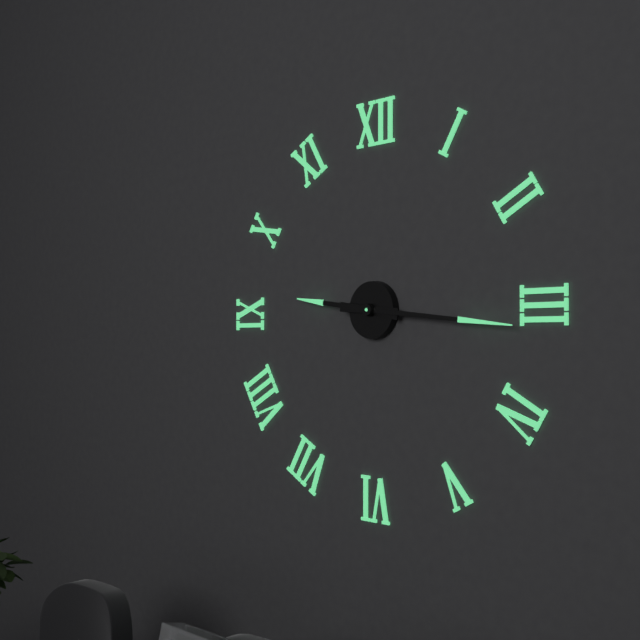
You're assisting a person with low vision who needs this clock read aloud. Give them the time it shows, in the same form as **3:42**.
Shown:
**9:16**
